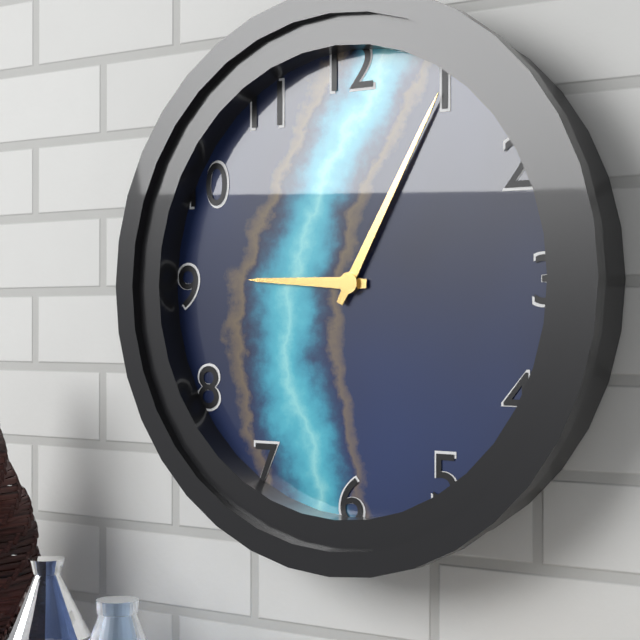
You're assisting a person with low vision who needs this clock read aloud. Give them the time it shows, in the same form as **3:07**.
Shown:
**9:05**
